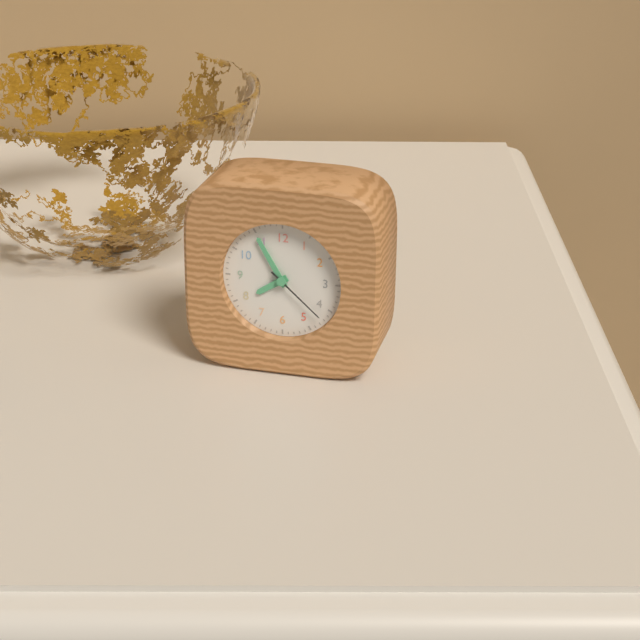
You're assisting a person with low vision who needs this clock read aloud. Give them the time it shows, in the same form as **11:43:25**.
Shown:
**7:55:22**
